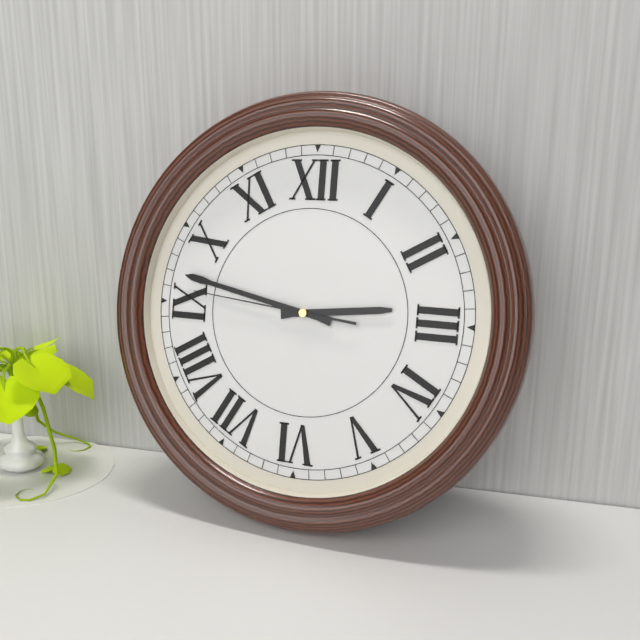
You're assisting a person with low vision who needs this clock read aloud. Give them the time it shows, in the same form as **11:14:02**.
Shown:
**2:47:46**
